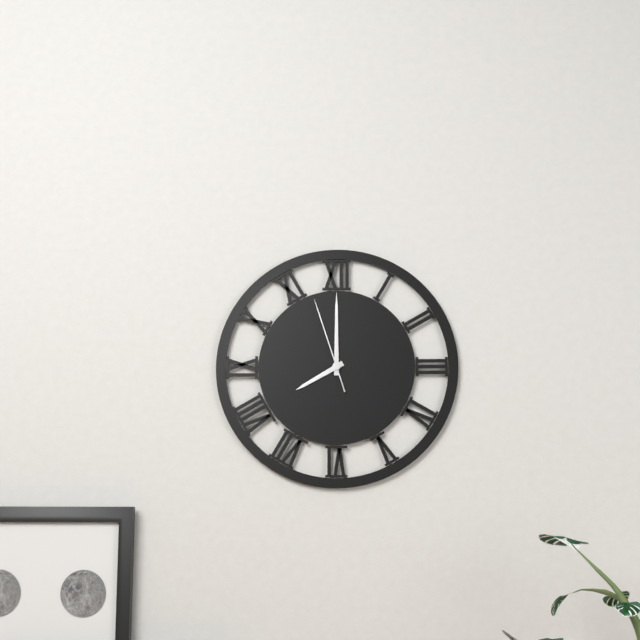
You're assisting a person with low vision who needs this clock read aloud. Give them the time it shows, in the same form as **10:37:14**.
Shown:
**8:00:57**
